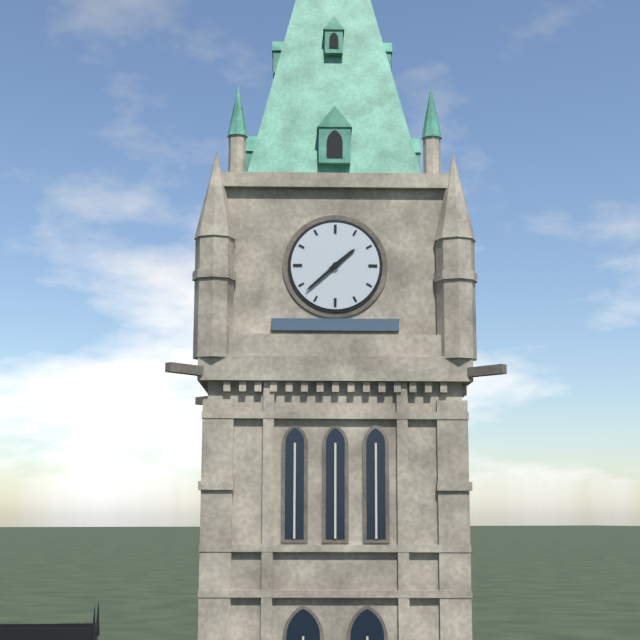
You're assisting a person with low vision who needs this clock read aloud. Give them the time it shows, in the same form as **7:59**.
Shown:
**1:38**
